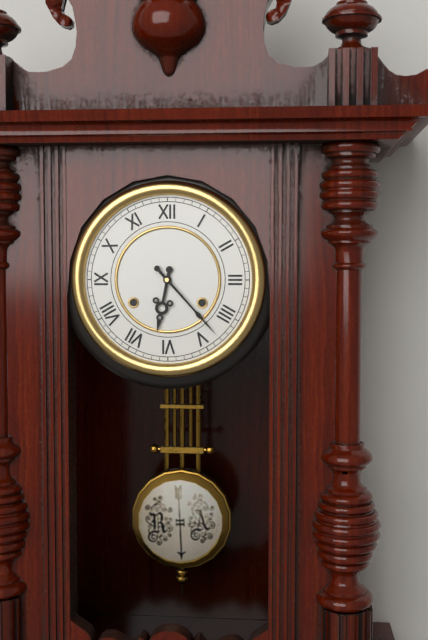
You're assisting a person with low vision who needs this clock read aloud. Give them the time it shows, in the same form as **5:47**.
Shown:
**6:23**
